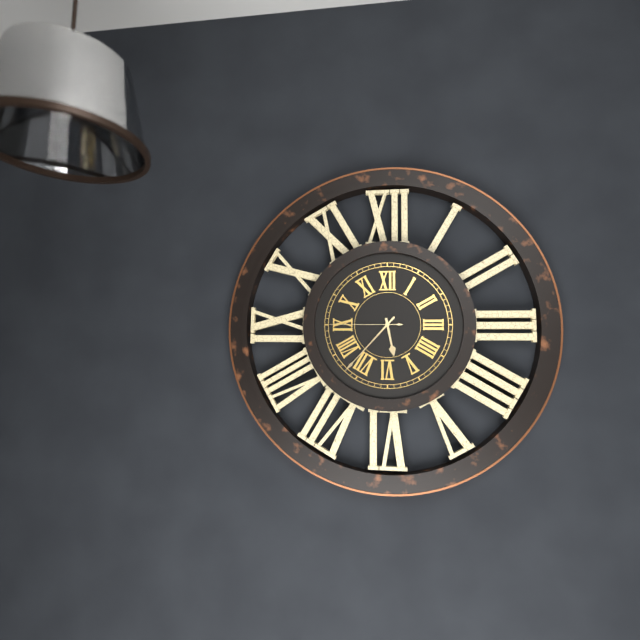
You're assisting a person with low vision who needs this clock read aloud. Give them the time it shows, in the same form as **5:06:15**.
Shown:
**5:37:45**
